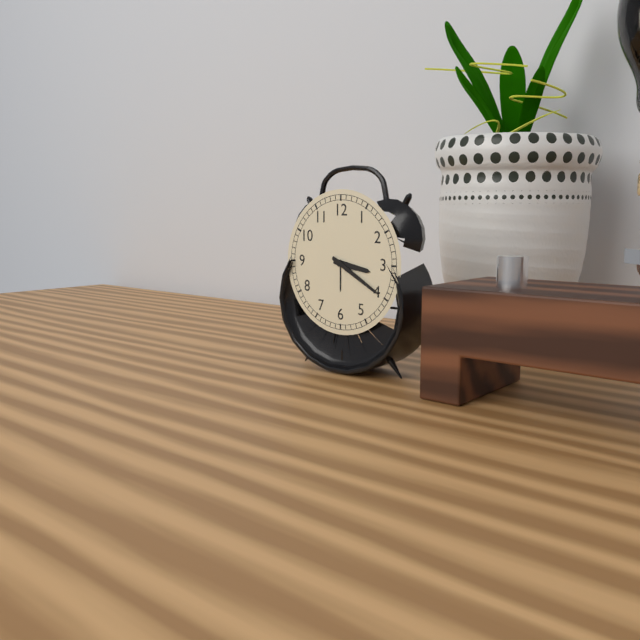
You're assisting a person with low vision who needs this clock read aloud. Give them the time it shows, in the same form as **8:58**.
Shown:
**3:20**
